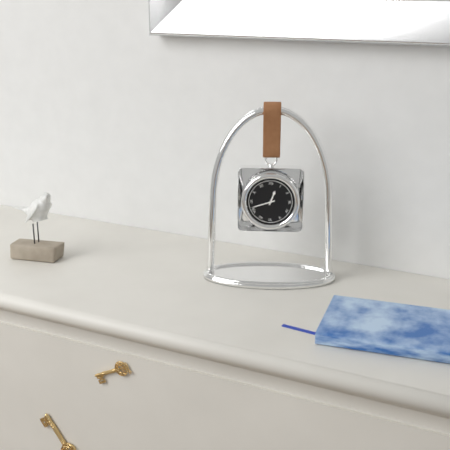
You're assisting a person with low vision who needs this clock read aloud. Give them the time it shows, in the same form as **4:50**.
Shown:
**12:42**
